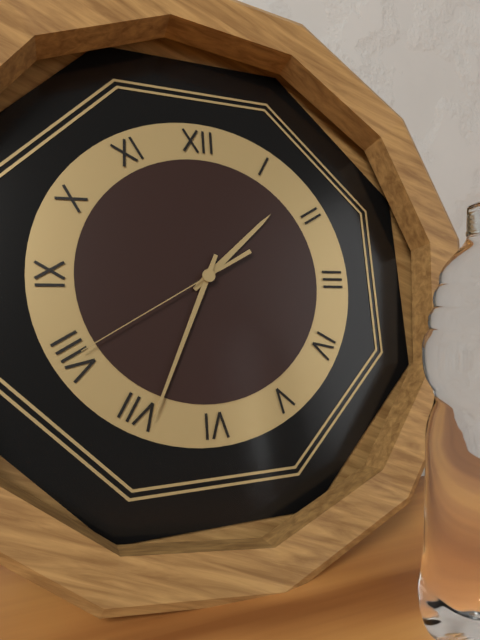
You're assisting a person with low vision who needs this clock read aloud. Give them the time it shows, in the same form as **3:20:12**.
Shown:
**1:34:40**
